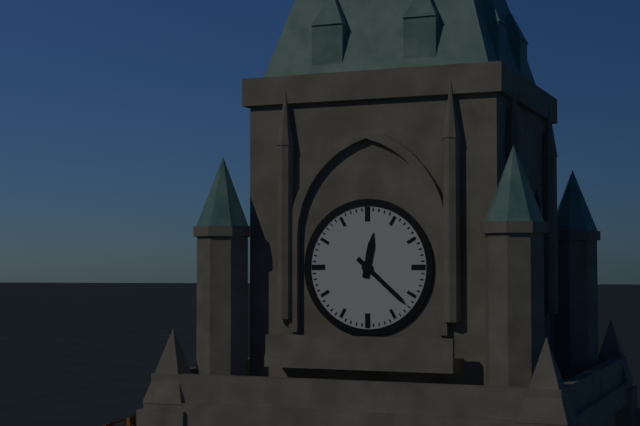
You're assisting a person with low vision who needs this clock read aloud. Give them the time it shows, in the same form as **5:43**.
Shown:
**12:22**
